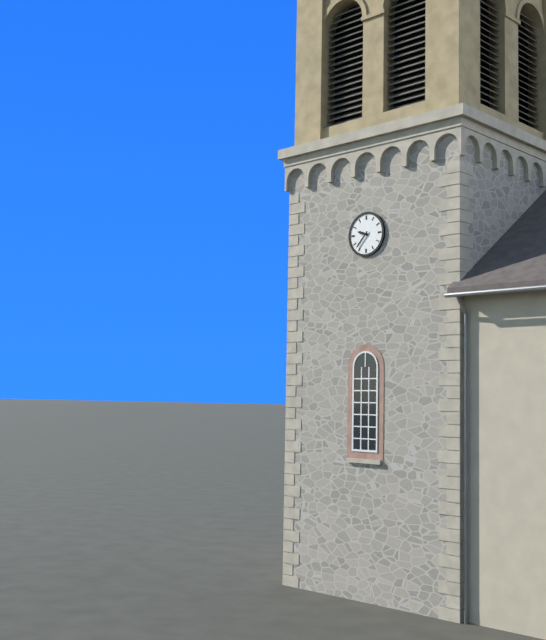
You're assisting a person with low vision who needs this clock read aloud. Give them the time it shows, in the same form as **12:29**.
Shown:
**9:37**
